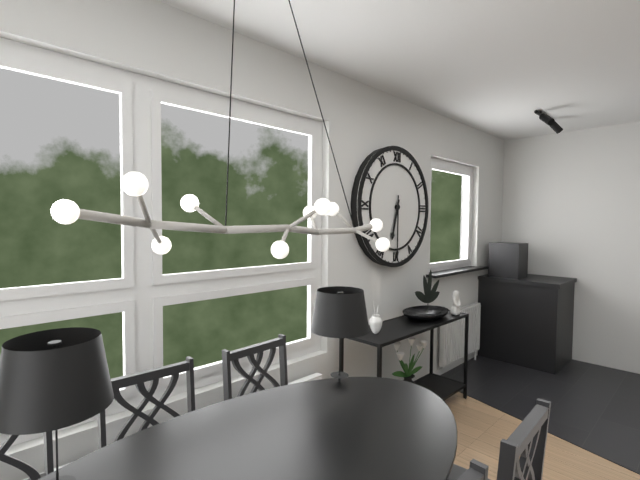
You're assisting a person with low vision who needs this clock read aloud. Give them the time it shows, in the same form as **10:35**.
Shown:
**6:30**
